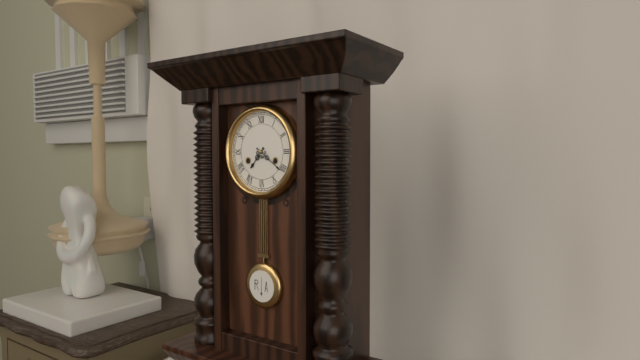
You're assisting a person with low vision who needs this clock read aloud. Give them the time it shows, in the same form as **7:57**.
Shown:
**7:21**
